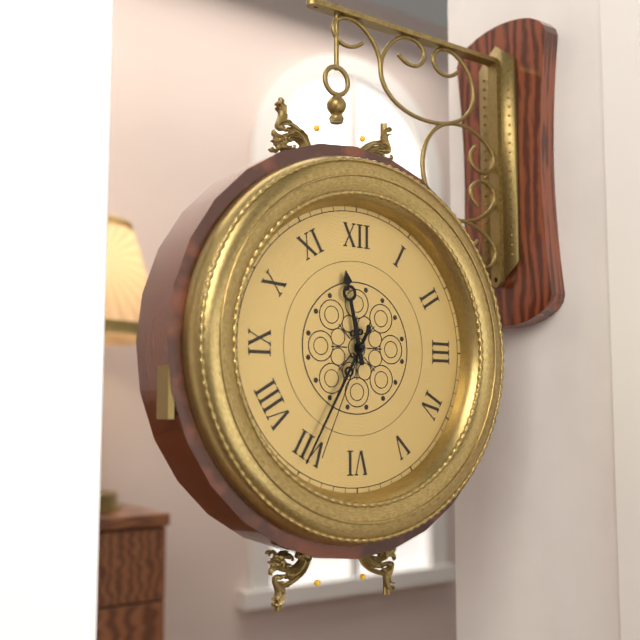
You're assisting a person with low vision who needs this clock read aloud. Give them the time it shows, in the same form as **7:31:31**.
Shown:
**11:35:34**
